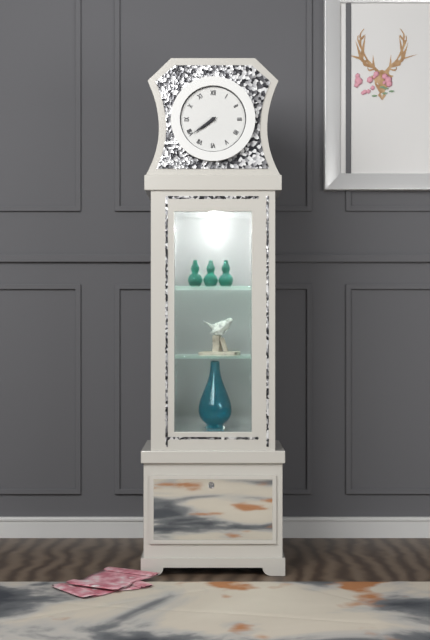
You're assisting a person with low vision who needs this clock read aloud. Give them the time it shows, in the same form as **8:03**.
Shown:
**7:39**
